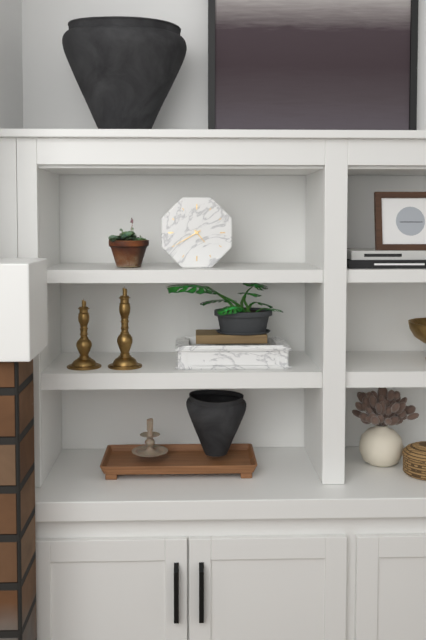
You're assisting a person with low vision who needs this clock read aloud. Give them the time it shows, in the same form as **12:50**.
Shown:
**4:40**
